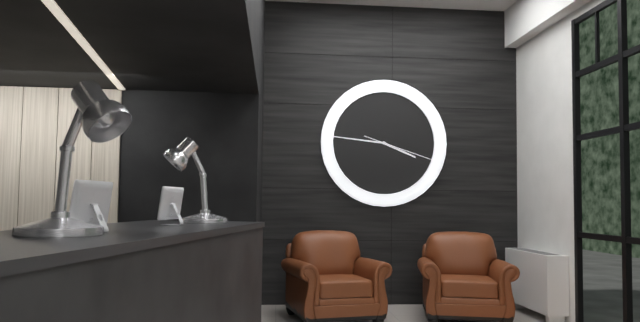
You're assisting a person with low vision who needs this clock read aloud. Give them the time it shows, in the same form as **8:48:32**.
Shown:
**3:46:18**
